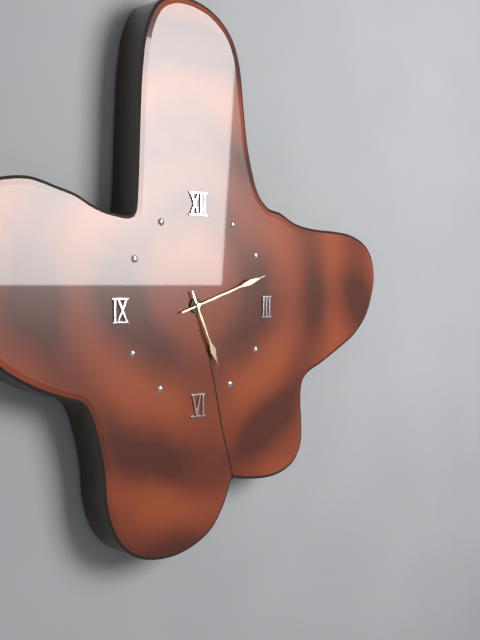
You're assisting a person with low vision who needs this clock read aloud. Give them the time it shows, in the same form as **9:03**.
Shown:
**5:12**
